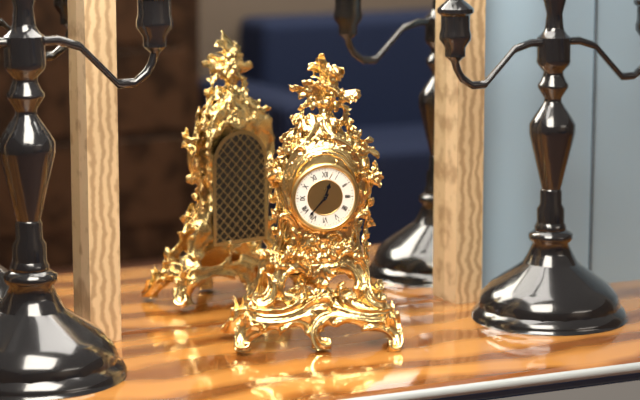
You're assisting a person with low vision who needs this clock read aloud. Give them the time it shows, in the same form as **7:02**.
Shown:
**12:37**
